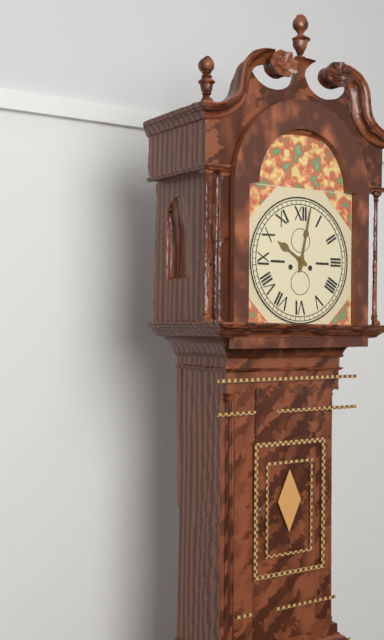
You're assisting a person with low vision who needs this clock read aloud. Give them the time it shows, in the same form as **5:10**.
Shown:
**10:02**
